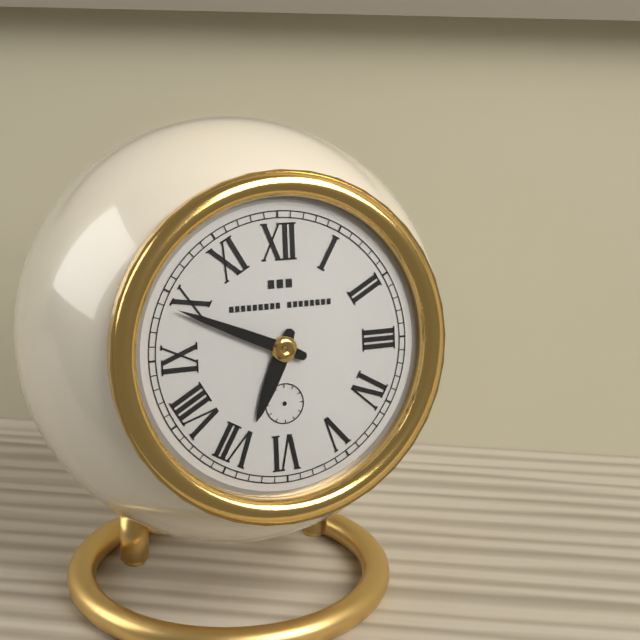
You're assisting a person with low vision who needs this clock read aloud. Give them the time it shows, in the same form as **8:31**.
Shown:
**6:49**
